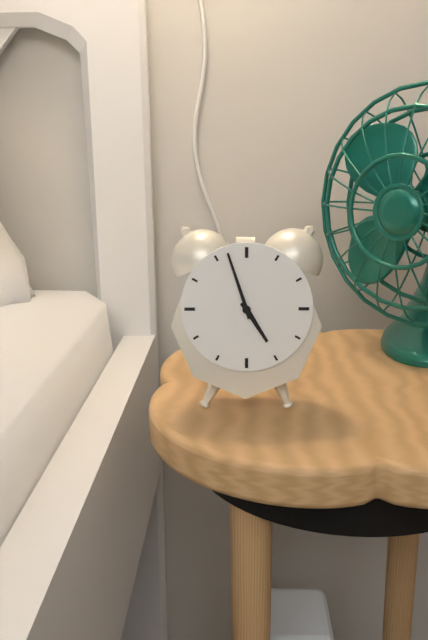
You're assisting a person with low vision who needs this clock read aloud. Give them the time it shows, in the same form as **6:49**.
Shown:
**4:57**
